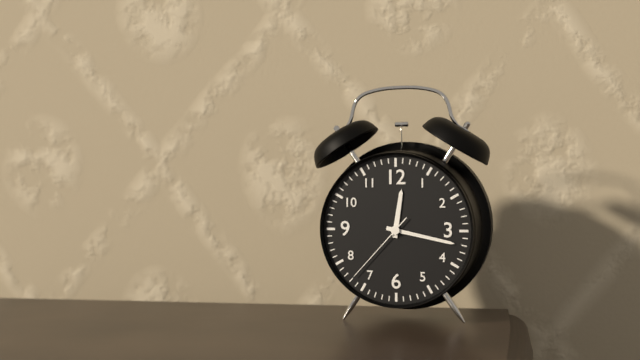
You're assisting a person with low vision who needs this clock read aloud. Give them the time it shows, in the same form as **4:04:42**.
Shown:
**12:17:37**
